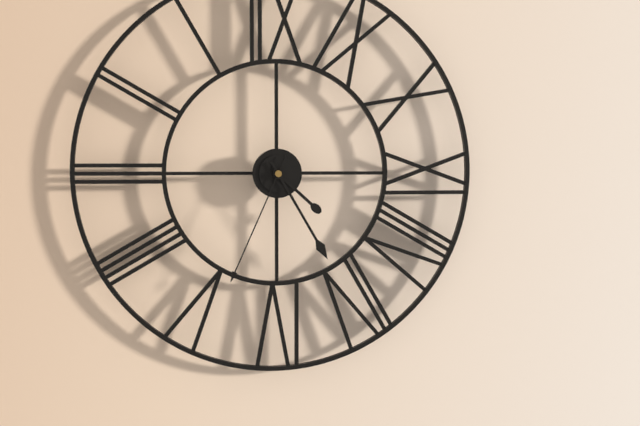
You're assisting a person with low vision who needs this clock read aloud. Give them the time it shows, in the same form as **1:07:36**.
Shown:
**4:25:34**
